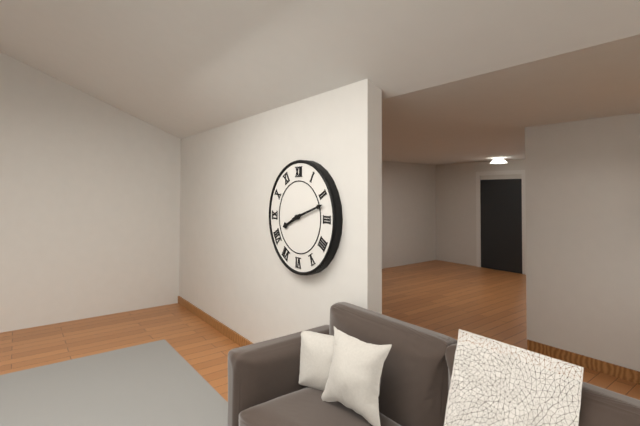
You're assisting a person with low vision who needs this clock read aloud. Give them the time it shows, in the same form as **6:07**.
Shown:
**8:12**
